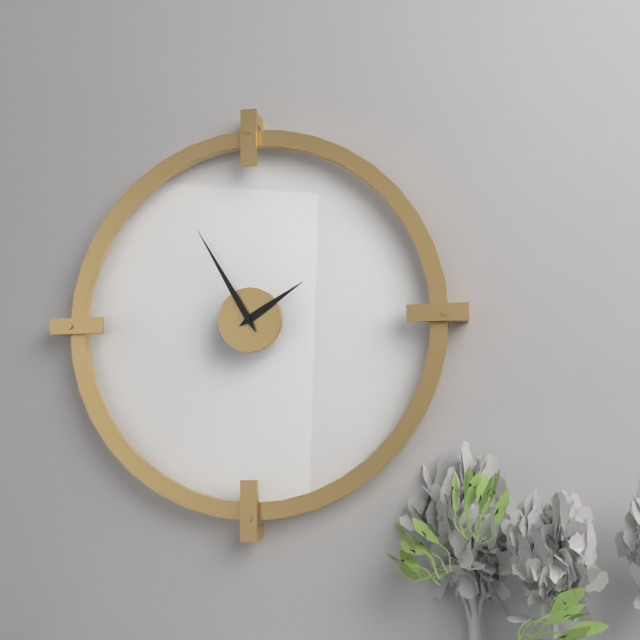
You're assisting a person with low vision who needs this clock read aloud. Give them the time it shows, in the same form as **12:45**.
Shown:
**1:55**
